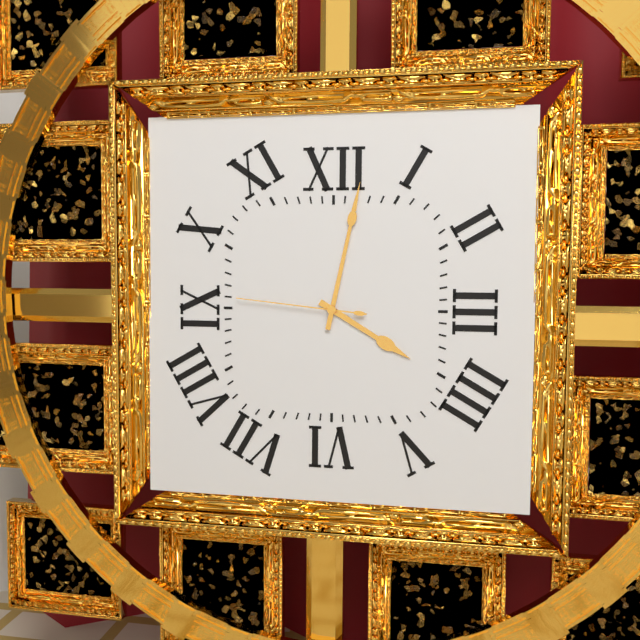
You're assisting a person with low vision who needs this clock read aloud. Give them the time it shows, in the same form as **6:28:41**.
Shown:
**4:02:46**
